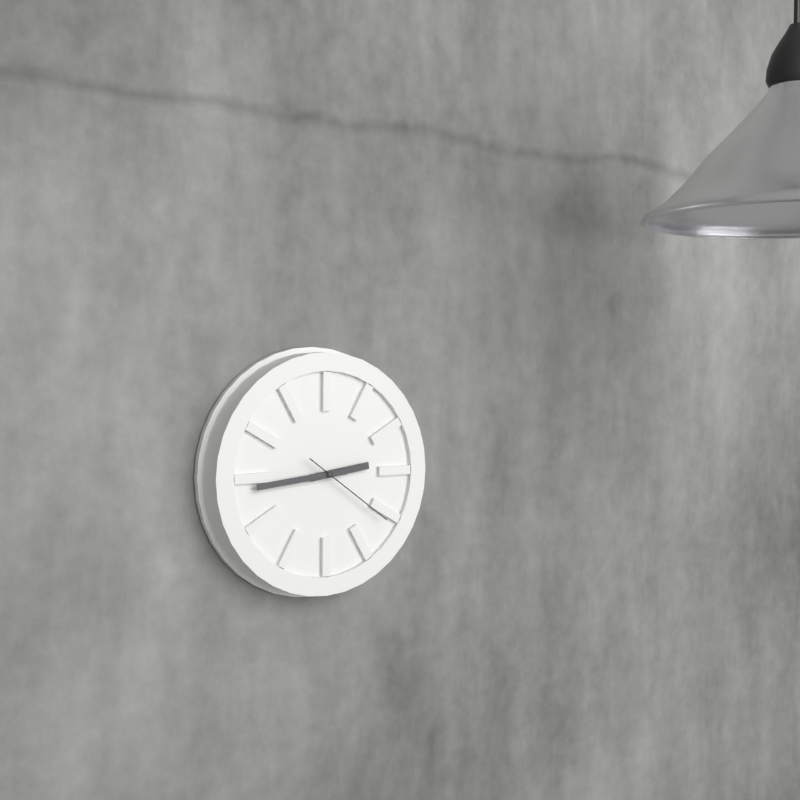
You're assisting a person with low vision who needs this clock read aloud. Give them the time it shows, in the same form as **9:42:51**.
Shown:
**2:44:21**
